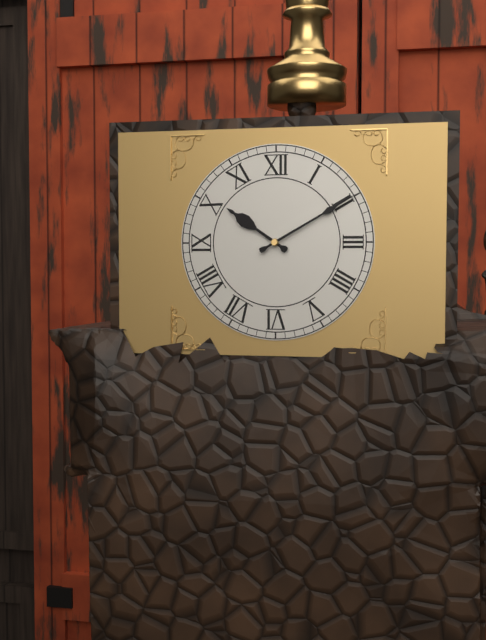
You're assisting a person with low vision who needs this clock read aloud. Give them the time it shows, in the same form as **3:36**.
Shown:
**10:10**
